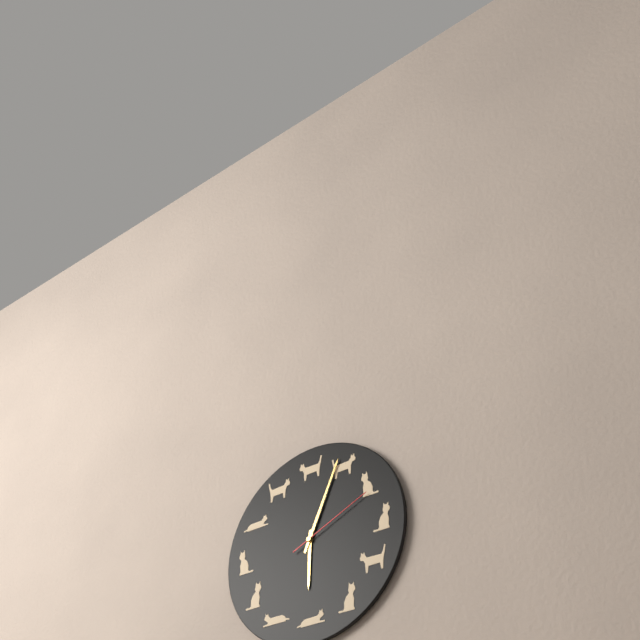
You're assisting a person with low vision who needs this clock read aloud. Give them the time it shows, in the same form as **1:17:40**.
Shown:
**6:04:11**
